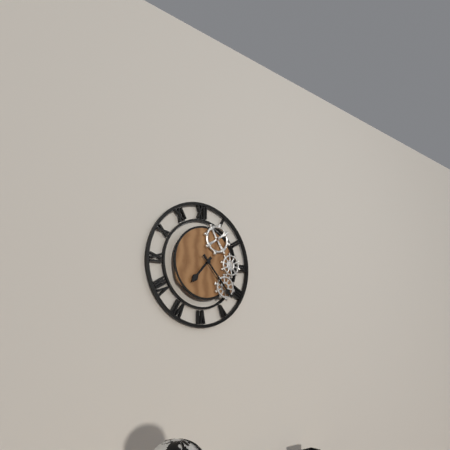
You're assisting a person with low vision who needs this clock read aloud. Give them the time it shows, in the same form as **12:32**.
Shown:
**7:23**
